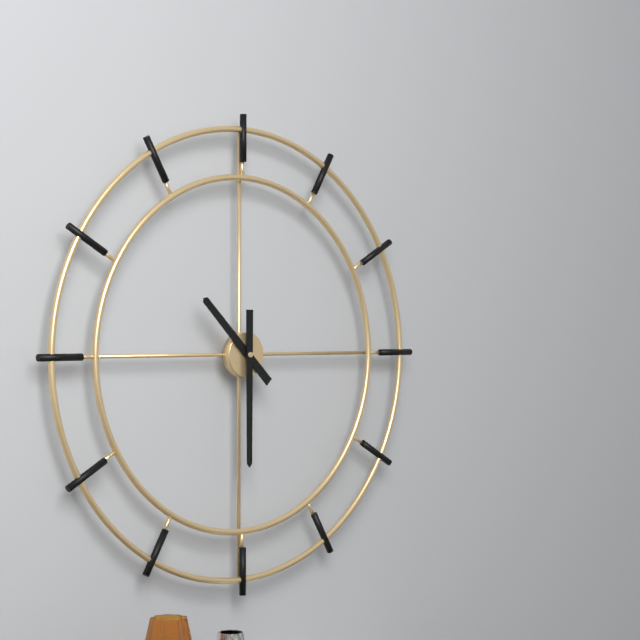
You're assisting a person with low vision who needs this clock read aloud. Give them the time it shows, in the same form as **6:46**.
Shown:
**10:30**
